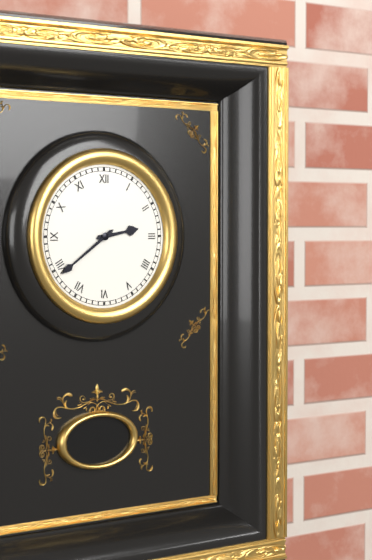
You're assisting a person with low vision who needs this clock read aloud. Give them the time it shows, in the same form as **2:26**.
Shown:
**2:39**
